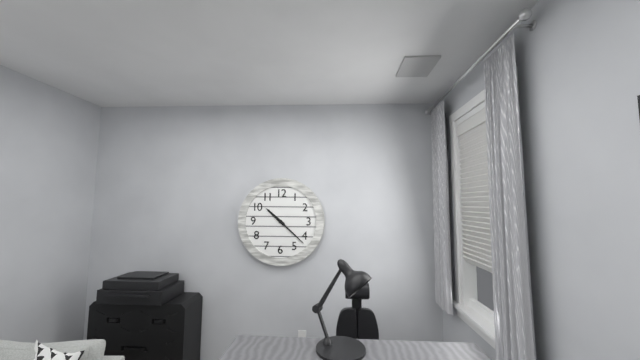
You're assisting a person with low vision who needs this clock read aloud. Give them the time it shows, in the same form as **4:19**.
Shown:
**10:22**
